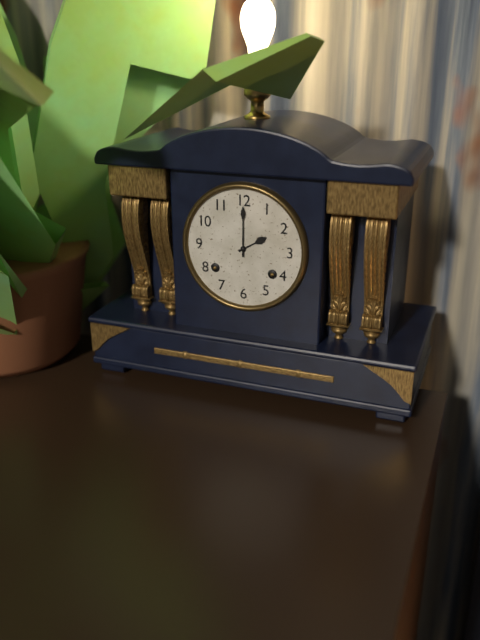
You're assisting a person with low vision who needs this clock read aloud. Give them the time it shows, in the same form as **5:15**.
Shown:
**2:00**
